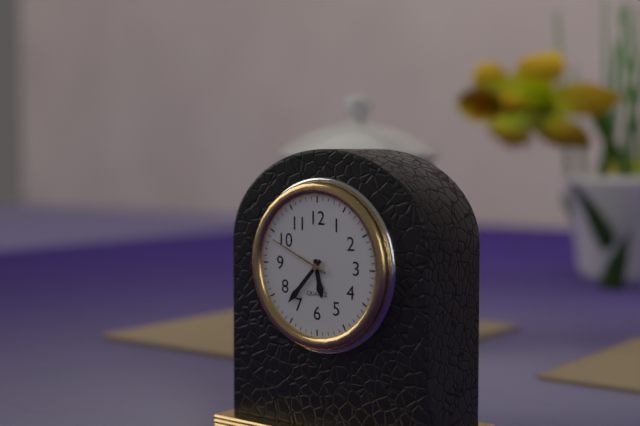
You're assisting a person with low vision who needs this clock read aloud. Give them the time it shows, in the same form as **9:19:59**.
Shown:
**5:37:49**
